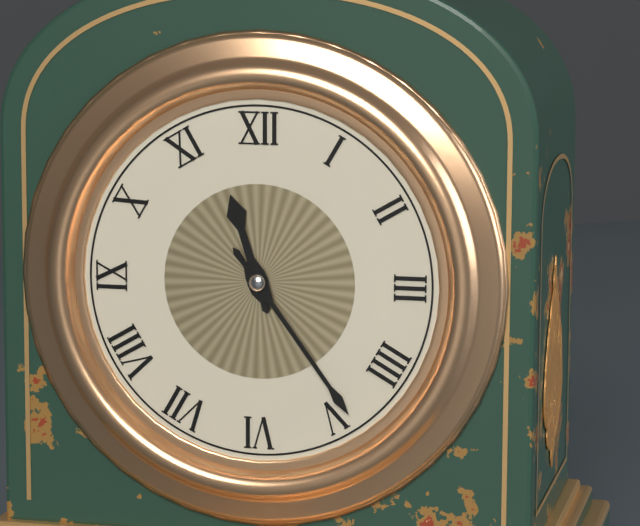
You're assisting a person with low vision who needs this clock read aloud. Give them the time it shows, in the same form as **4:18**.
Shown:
**11:24**
